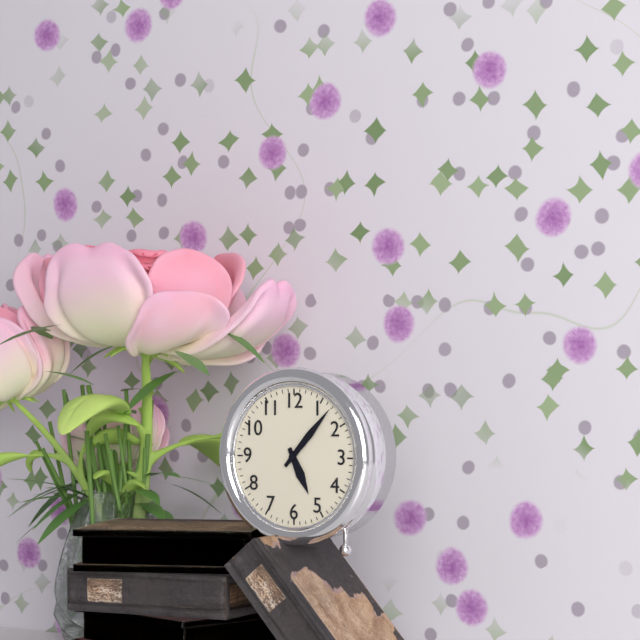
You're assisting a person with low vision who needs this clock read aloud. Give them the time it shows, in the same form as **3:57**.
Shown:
**5:07**
